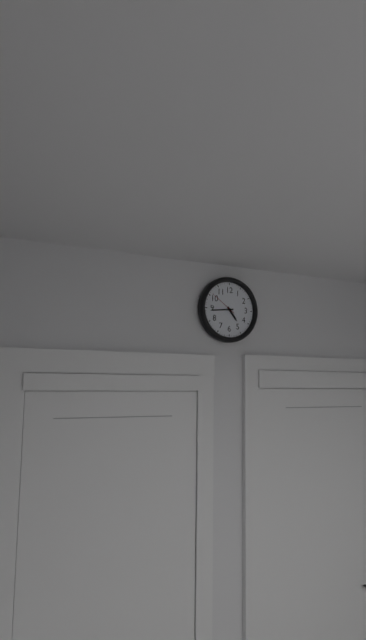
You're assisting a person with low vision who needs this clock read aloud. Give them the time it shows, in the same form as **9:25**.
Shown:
**4:44**
